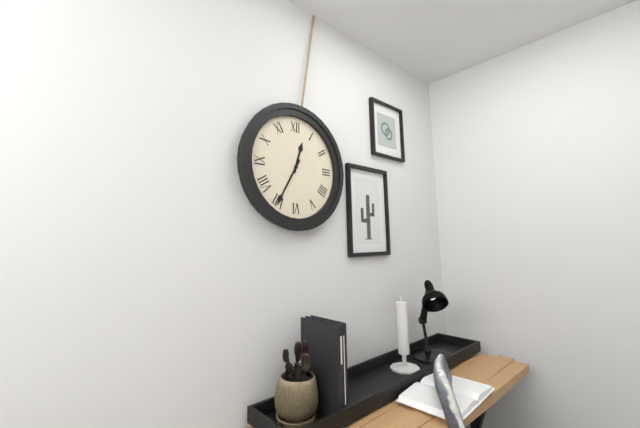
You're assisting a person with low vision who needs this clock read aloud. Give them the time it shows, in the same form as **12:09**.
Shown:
**12:35**
